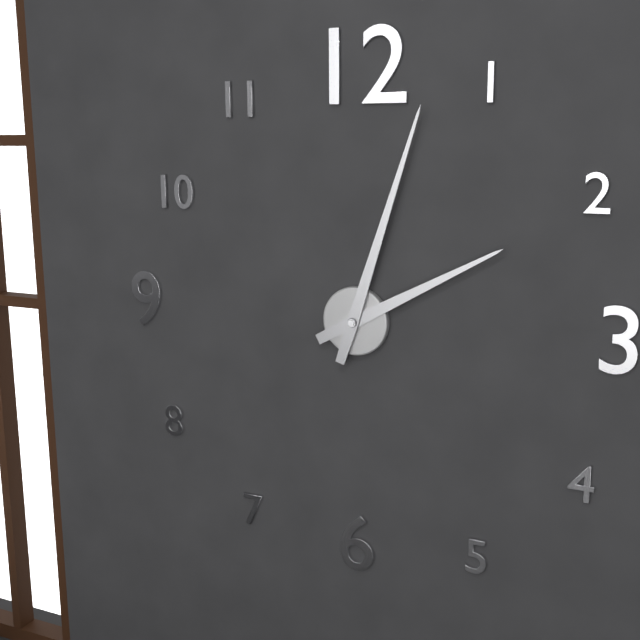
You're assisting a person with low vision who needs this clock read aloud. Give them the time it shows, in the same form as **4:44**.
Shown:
**2:03**
